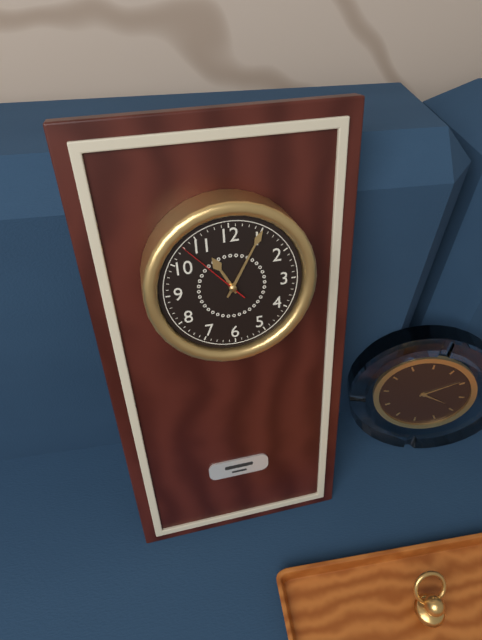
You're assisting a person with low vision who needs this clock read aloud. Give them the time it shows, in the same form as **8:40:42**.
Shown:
**11:05:53**
